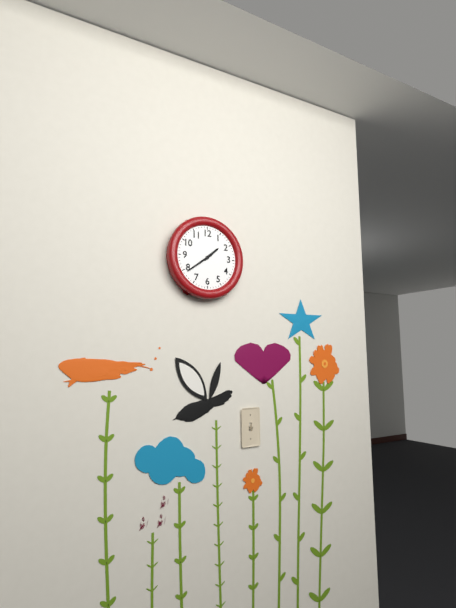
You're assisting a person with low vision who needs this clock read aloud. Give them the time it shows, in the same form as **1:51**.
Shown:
**1:39**
